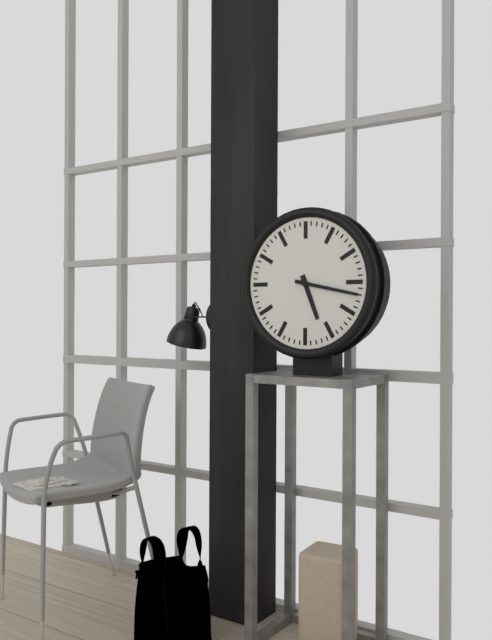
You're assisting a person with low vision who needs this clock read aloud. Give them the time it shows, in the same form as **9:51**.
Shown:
**5:17**
